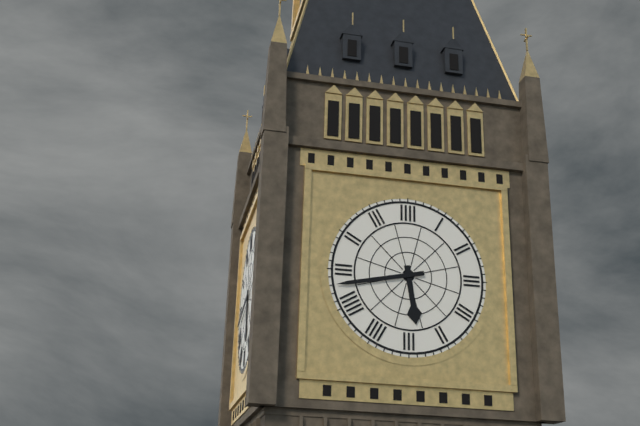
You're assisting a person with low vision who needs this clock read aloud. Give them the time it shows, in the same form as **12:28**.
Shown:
**5:43**
